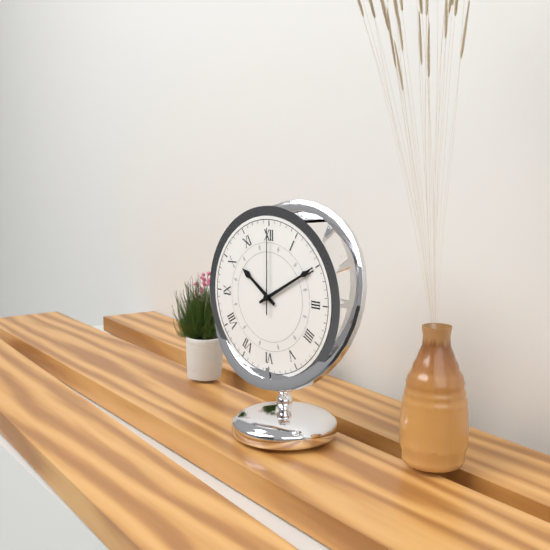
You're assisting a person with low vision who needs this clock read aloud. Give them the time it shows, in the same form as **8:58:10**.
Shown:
**10:10:00**
